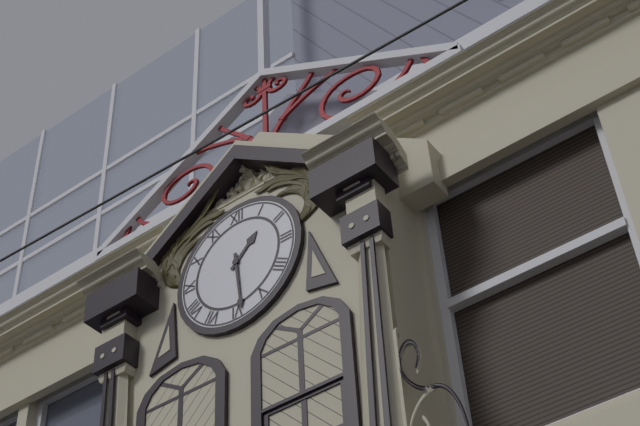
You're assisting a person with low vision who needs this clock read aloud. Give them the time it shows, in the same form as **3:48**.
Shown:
**1:29**
